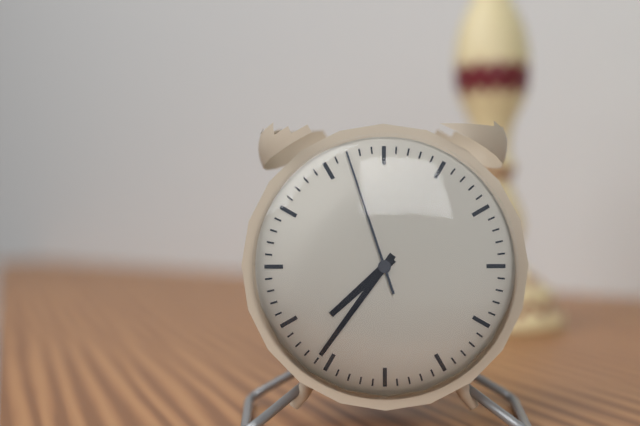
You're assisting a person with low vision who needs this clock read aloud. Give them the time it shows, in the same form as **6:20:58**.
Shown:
**7:36:57**
